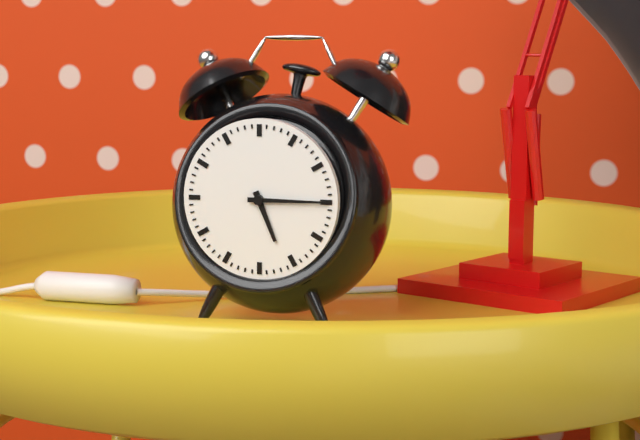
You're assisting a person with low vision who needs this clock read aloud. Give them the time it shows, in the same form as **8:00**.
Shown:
**5:15**
